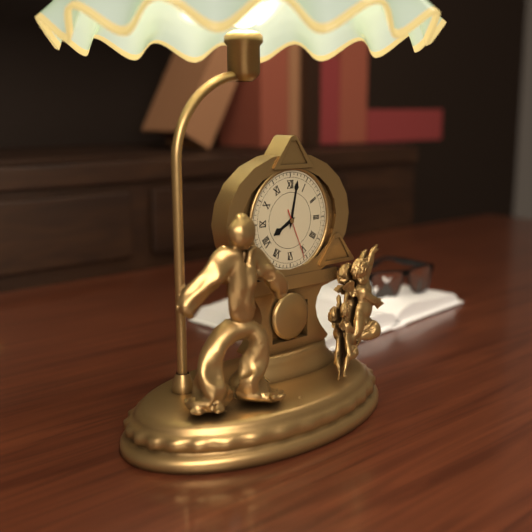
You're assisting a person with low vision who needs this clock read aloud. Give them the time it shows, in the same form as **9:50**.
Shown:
**8:02**
